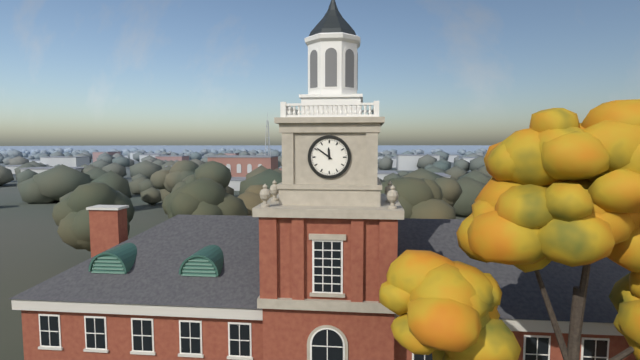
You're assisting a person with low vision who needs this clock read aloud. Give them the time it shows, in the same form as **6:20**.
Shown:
**11:51**
